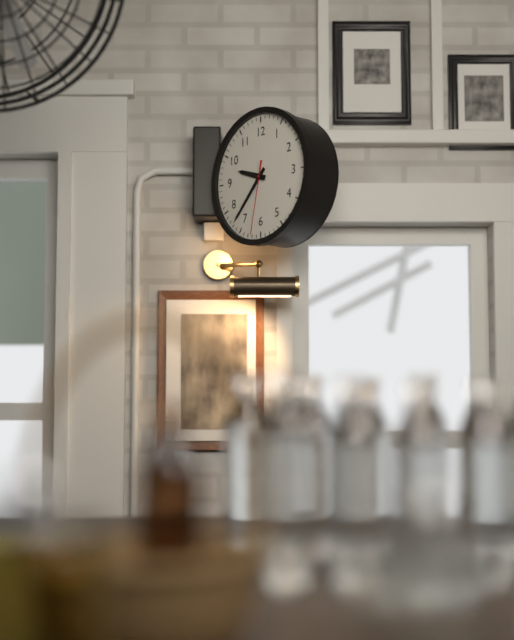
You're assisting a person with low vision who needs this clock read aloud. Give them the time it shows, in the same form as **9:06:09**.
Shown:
**9:37:32**
